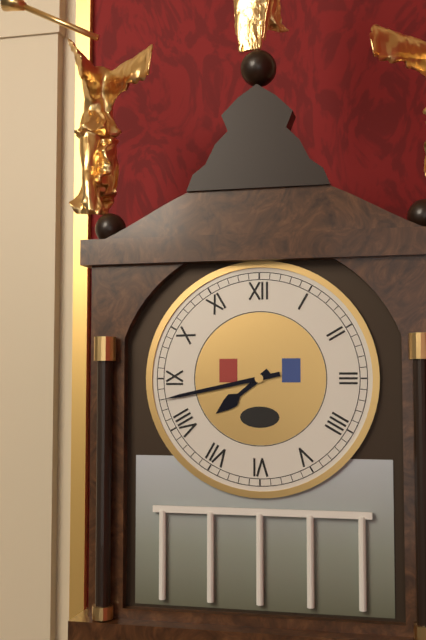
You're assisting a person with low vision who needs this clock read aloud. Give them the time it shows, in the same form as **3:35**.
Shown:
**7:43**
